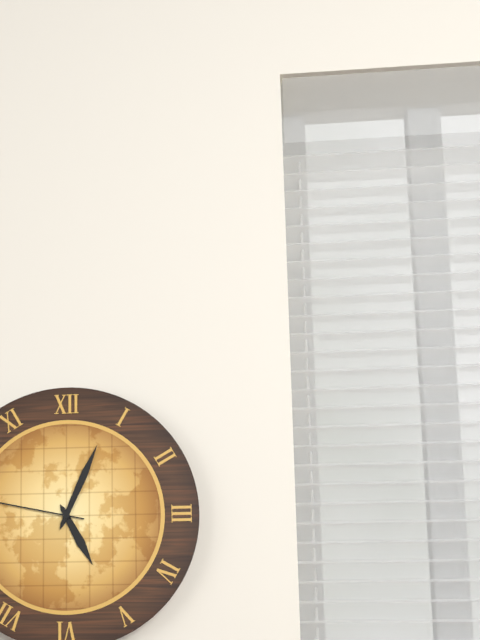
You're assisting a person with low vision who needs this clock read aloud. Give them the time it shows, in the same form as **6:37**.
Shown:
**5:04**
